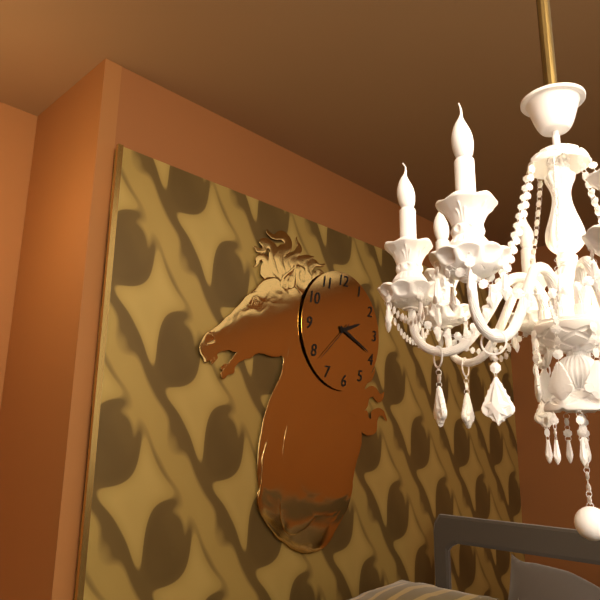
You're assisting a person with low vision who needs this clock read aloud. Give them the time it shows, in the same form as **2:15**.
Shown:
**2:19**
